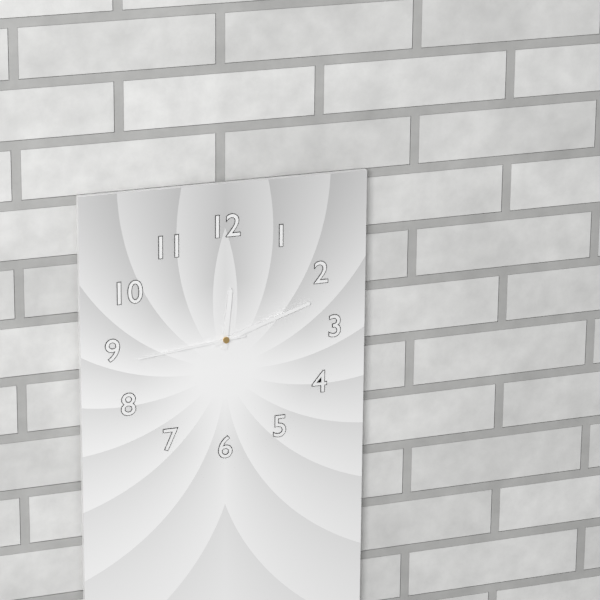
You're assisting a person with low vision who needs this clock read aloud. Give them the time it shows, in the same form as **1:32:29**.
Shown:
**12:12:44**
